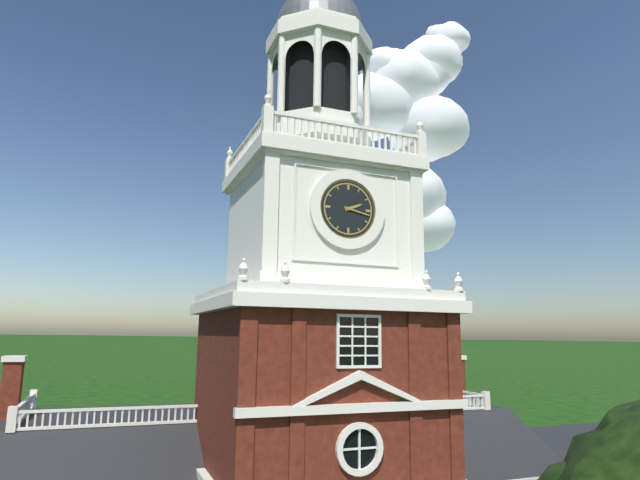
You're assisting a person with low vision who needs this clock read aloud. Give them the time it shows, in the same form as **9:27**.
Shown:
**2:17**
